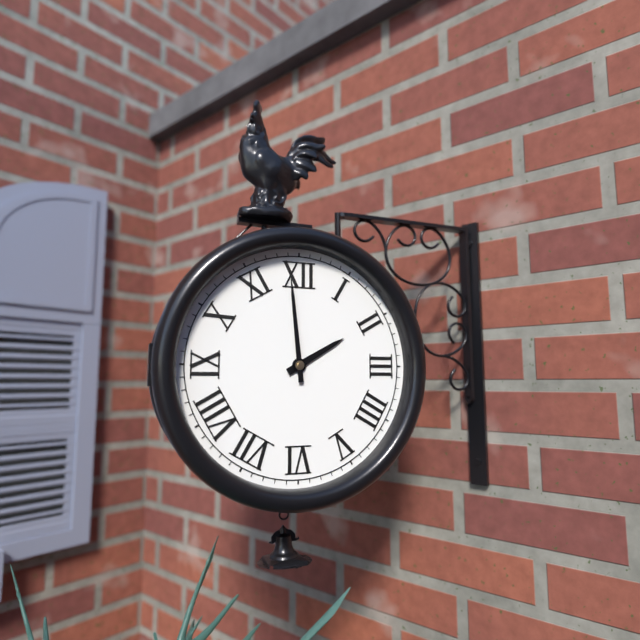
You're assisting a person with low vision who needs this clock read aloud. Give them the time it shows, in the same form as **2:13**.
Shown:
**1:59**
